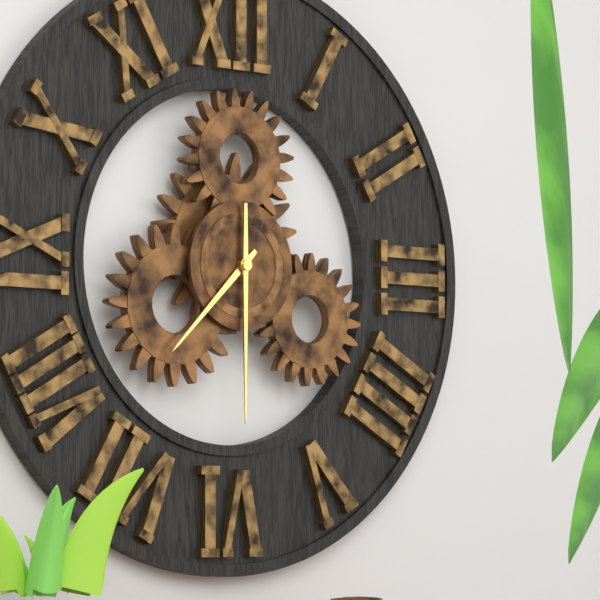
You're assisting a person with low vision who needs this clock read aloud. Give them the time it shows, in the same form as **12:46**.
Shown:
**7:30**
